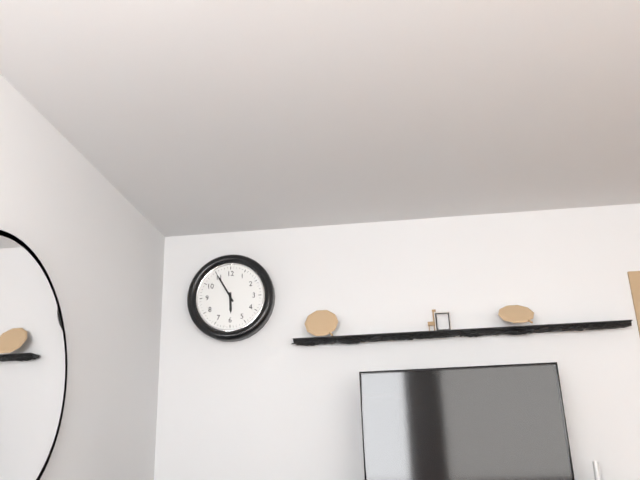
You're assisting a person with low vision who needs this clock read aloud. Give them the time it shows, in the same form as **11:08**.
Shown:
**5:55**
